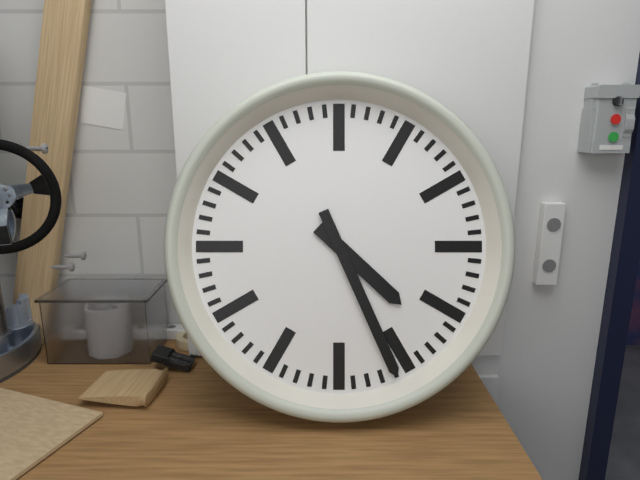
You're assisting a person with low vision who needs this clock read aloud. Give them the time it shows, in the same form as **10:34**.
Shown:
**4:26**
